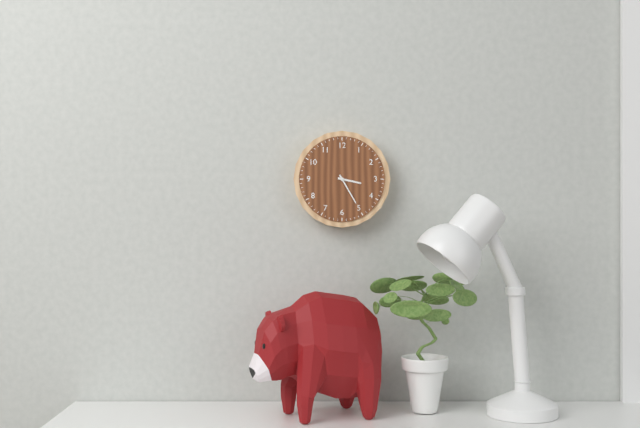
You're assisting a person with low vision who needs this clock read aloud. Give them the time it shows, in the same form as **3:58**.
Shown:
**3:25**
